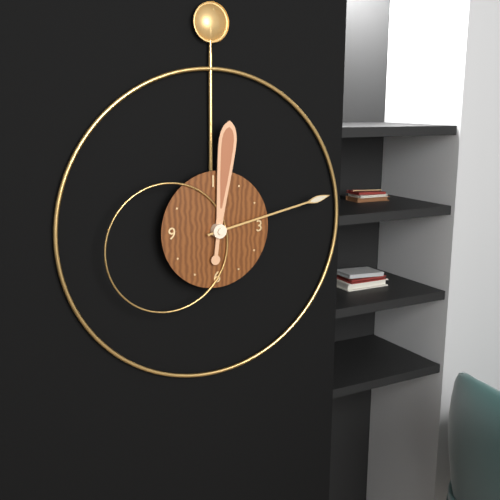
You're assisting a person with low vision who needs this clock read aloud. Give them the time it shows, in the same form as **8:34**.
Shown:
**12:13**
